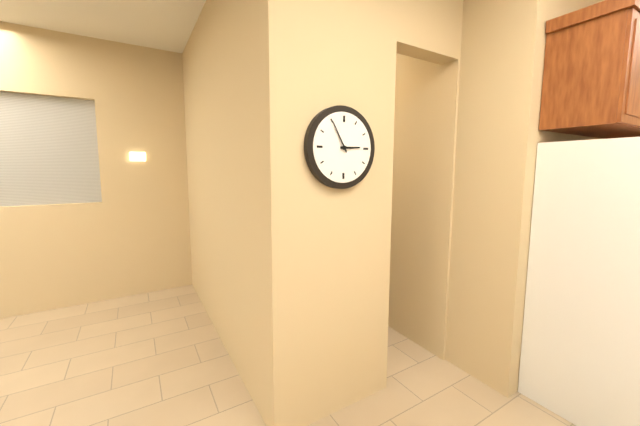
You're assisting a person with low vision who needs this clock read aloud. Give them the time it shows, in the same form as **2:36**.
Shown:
**2:55**
